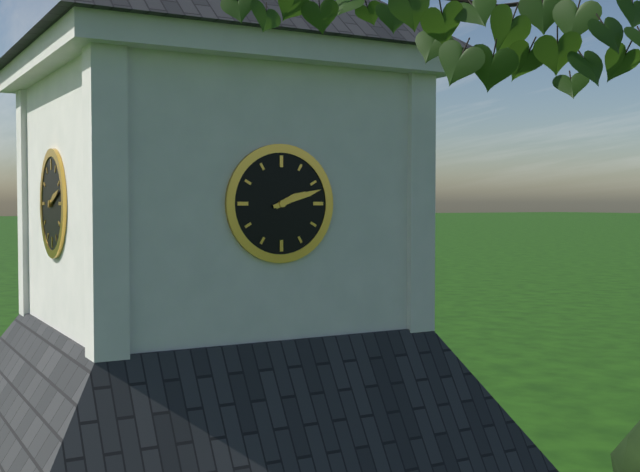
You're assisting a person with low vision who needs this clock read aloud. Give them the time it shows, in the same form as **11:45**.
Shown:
**2:12**
